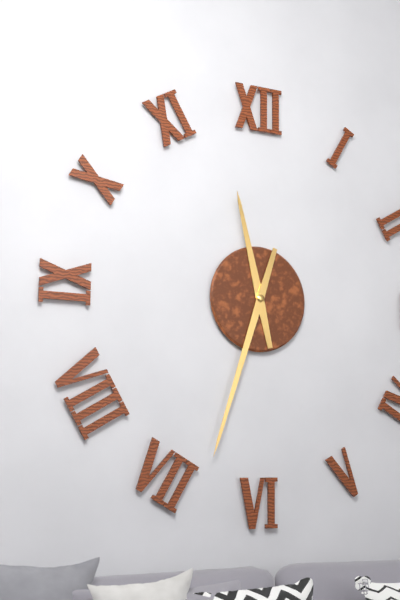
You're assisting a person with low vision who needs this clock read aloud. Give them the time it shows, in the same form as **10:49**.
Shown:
**11:33**
